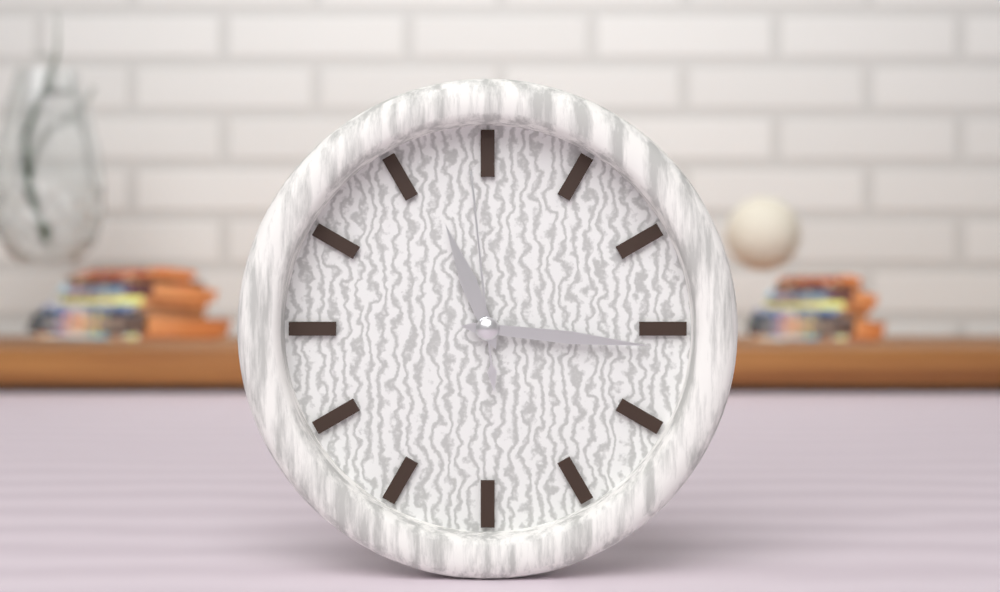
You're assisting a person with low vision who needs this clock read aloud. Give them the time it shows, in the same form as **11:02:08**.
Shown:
**11:16:59**
